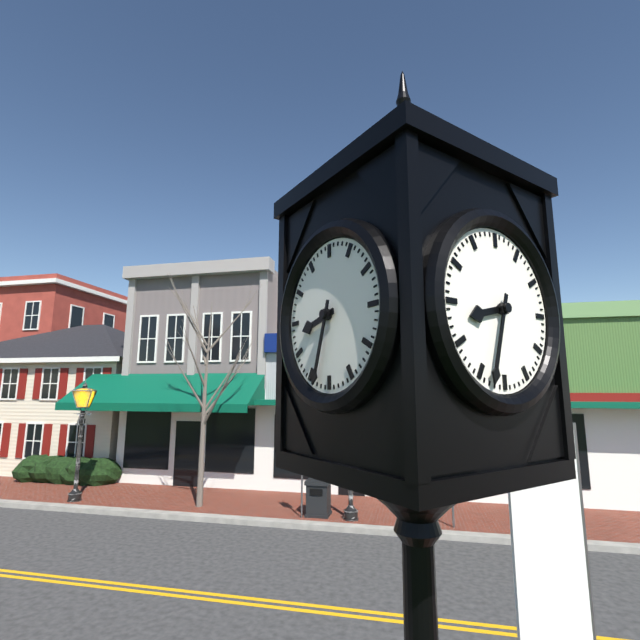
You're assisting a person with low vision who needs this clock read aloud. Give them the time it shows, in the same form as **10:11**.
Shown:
**8:33**
